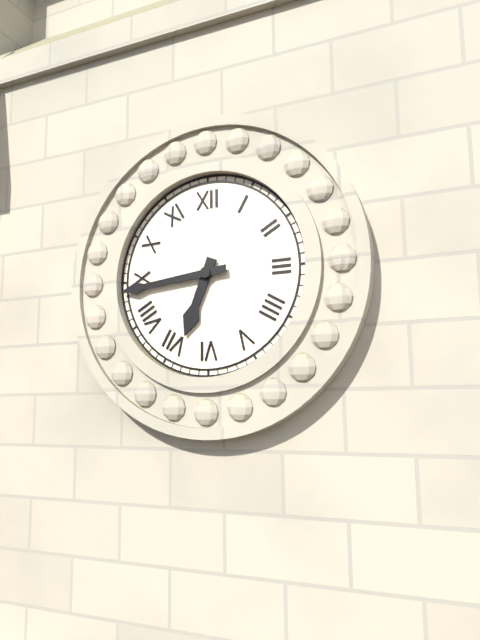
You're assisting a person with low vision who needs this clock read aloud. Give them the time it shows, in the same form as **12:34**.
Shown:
**6:44**
